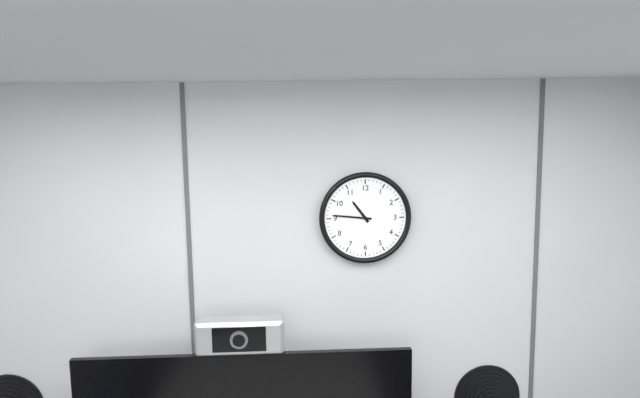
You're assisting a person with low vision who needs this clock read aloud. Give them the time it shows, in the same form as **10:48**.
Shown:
**10:46**
